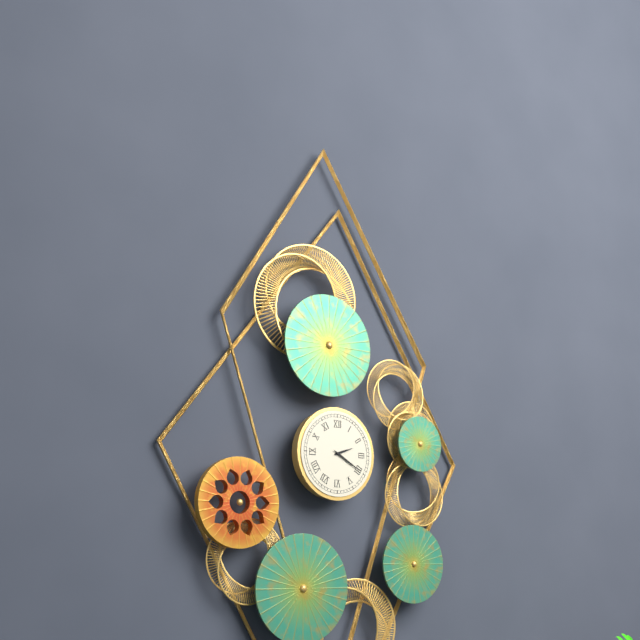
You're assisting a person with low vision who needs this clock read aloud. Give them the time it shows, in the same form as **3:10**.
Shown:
**2:20**
